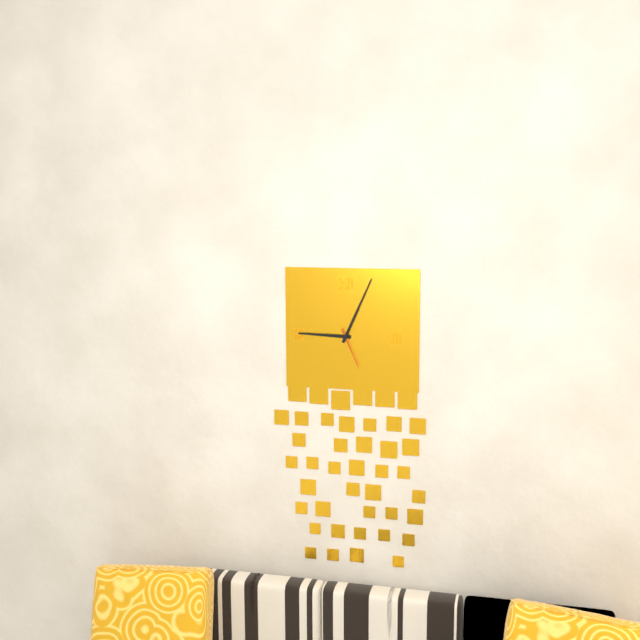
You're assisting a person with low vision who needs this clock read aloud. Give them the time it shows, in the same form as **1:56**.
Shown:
**9:04**
